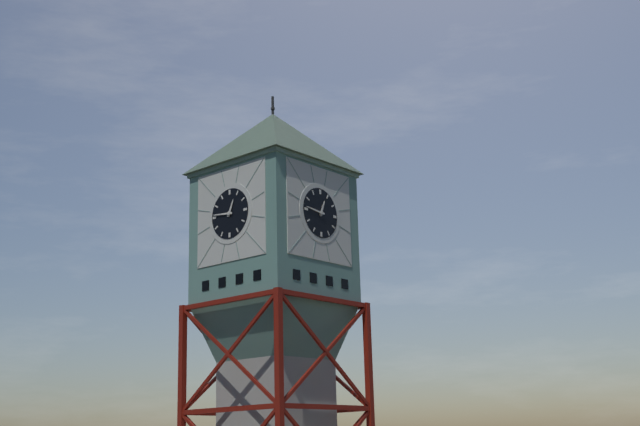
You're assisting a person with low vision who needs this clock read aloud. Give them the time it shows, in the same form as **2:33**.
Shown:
**12:46**
